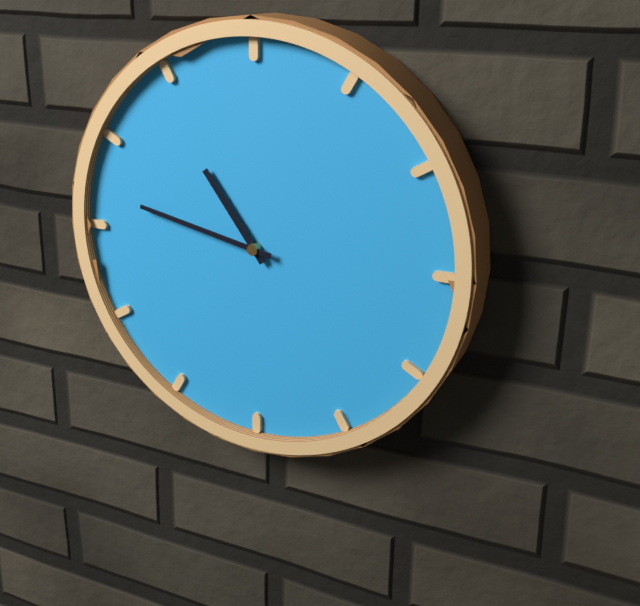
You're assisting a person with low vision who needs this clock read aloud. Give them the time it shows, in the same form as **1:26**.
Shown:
**10:47**
